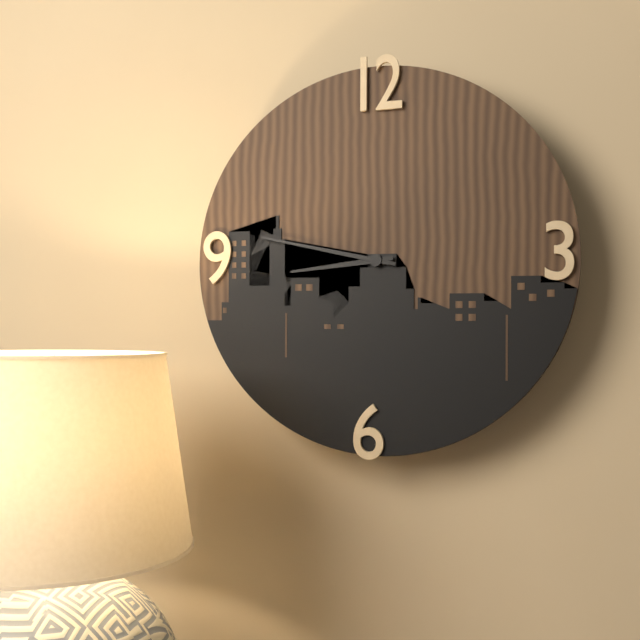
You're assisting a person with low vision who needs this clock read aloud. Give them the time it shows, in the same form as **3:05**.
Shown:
**8:47**
